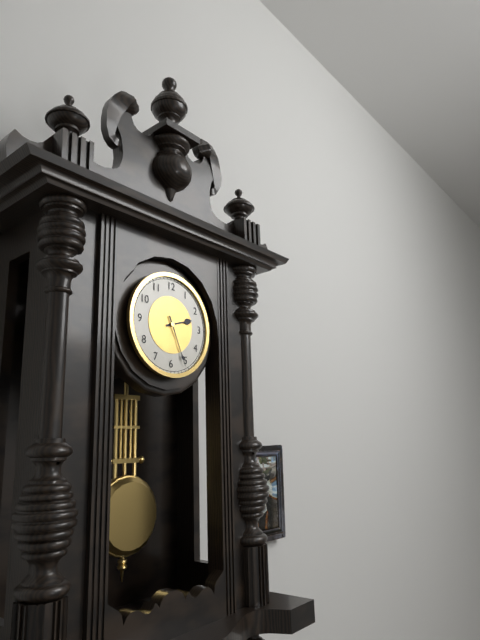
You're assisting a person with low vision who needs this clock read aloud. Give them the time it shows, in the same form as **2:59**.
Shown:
**2:26**
